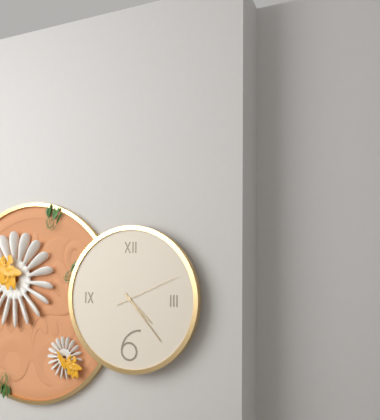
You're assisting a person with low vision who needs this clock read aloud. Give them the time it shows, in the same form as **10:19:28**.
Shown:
**4:23:11**
